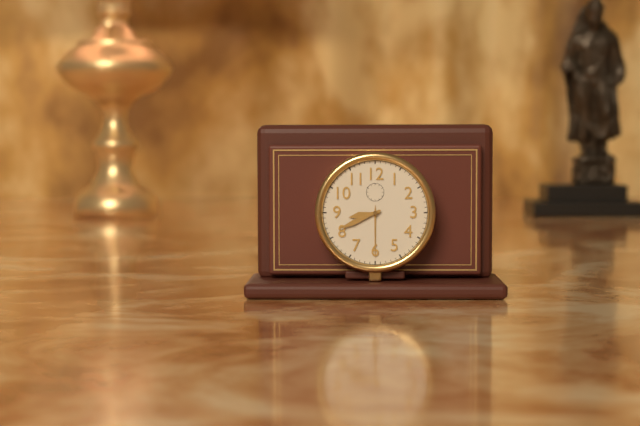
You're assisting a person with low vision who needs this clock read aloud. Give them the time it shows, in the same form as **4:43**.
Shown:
**8:41**
